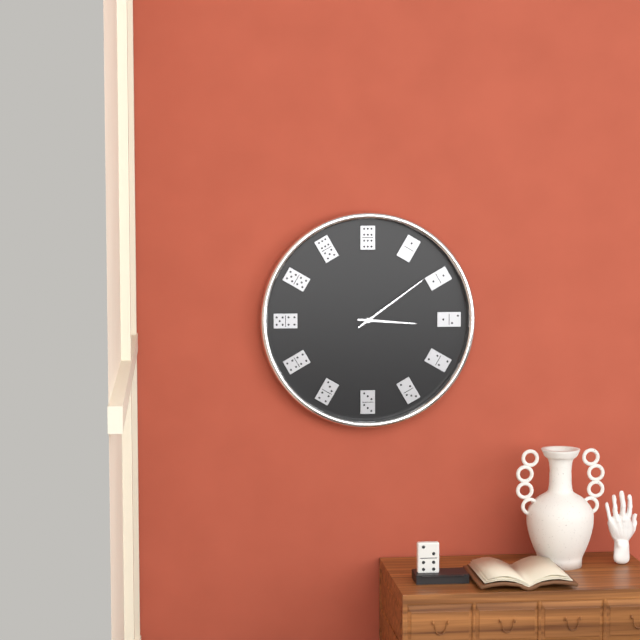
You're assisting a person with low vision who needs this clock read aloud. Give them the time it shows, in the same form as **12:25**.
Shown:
**3:09**
